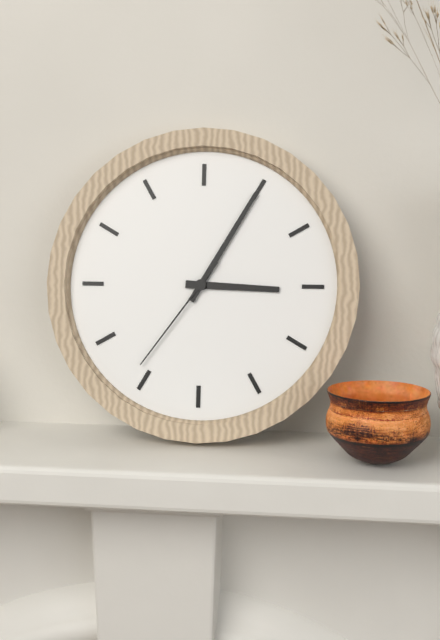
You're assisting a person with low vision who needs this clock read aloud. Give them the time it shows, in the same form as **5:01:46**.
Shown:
**3:05:36**
